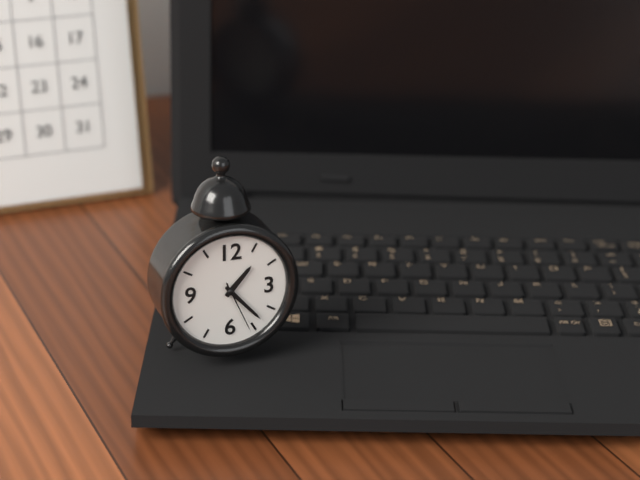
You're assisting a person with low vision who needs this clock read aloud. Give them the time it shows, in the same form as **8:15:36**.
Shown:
**1:23:26**
